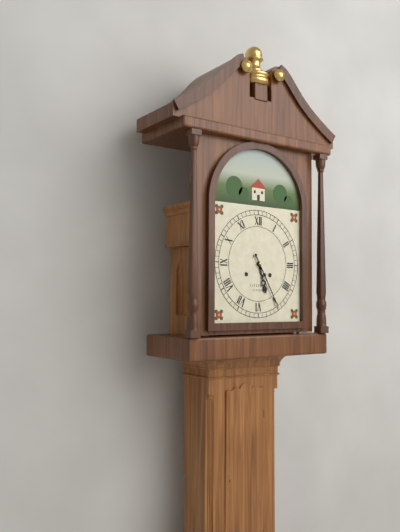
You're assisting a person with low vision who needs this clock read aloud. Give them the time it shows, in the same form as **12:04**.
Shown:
**5:25**
